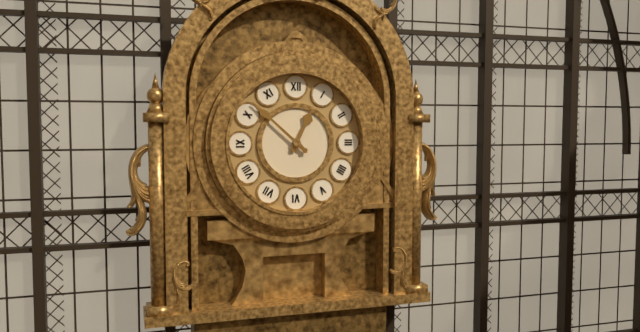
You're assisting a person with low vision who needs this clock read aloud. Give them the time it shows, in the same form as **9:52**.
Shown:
**12:52**
